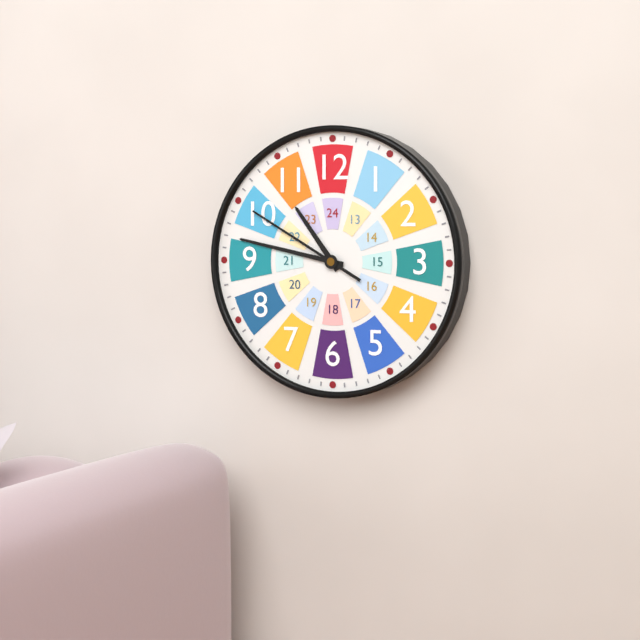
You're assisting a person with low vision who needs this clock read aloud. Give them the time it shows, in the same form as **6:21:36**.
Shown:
**10:47:50**
